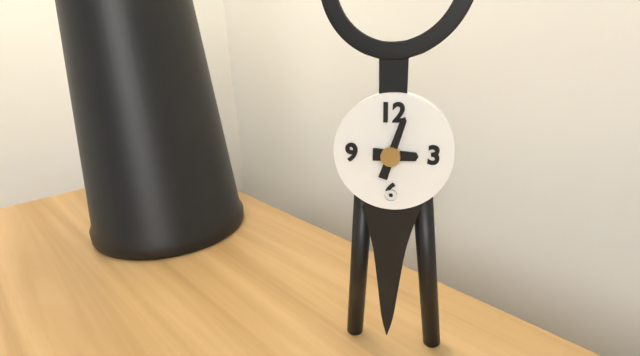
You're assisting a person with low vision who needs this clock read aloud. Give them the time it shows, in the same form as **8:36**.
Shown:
**3:03**
